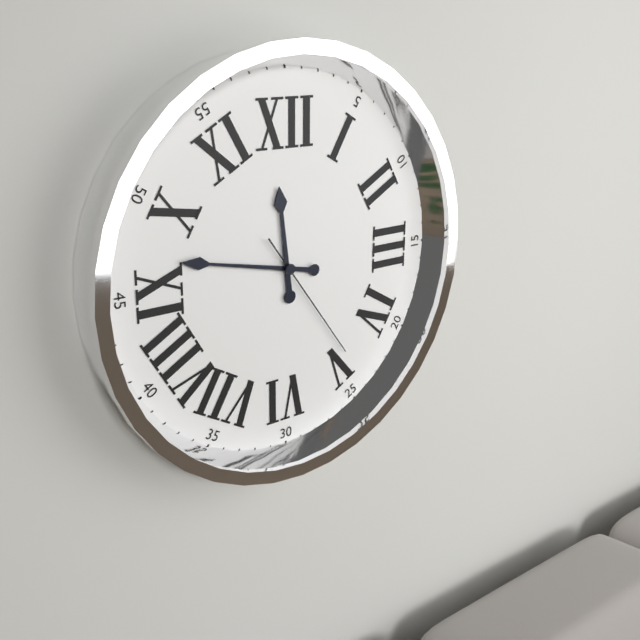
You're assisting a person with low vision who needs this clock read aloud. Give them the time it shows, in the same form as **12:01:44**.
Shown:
**11:47:24**
